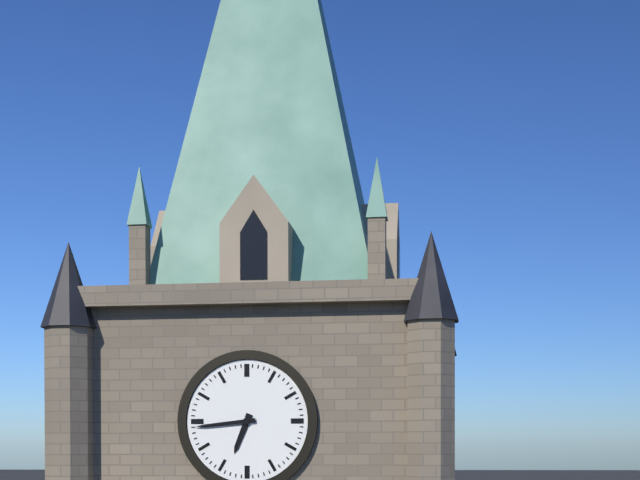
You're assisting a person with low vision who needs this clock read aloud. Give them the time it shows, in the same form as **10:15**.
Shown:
**6:44**
